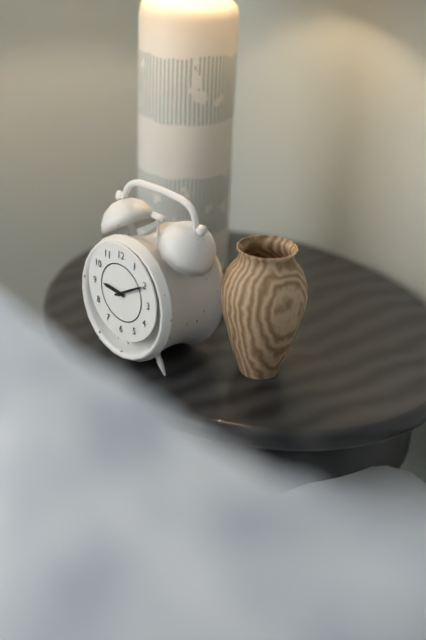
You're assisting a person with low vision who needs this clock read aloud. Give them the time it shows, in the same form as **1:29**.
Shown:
**9:10**
